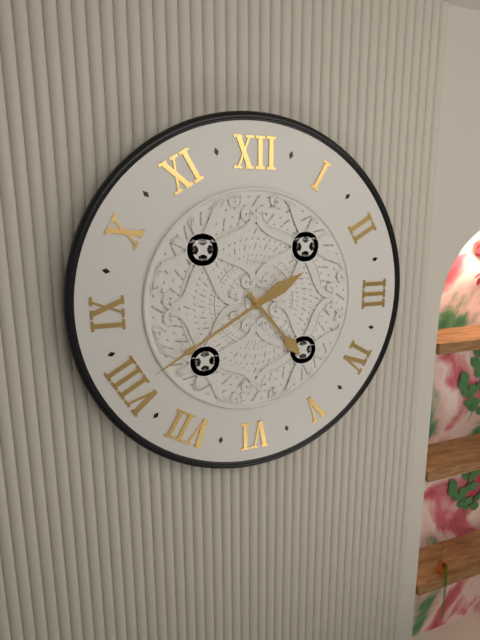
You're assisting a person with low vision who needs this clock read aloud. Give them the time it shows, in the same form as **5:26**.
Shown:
**4:40**
